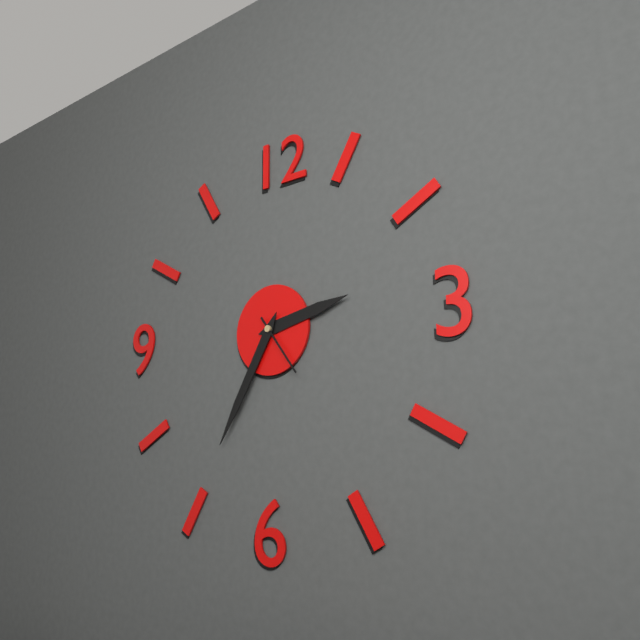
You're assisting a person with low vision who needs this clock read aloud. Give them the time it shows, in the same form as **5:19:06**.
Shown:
**2:35:24**
